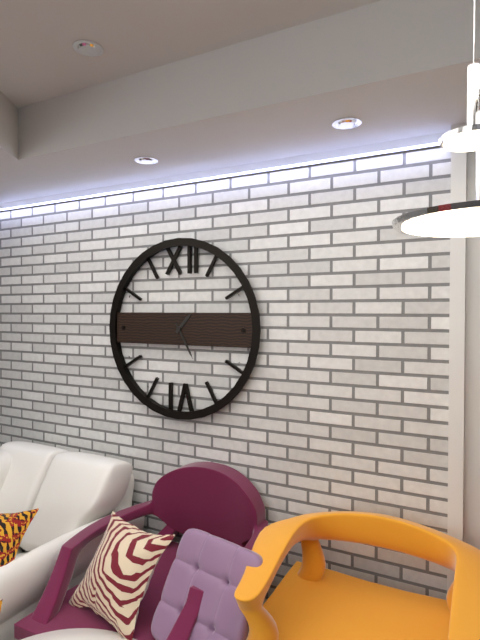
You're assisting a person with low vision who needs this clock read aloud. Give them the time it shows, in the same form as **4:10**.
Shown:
**1:25**
